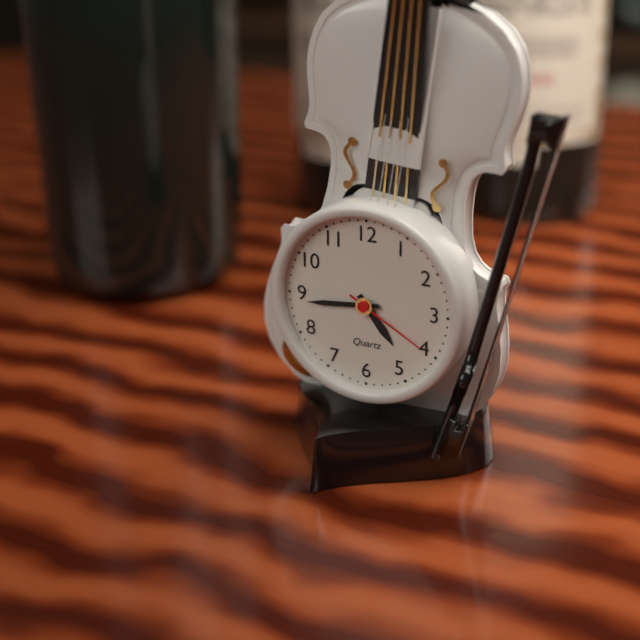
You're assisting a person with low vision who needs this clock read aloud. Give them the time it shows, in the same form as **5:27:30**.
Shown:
**4:44:20**
